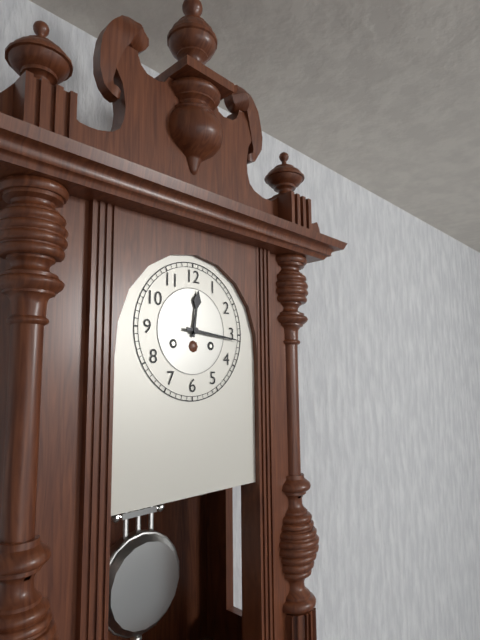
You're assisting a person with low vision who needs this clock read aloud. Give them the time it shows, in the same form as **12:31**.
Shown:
**12:16**
